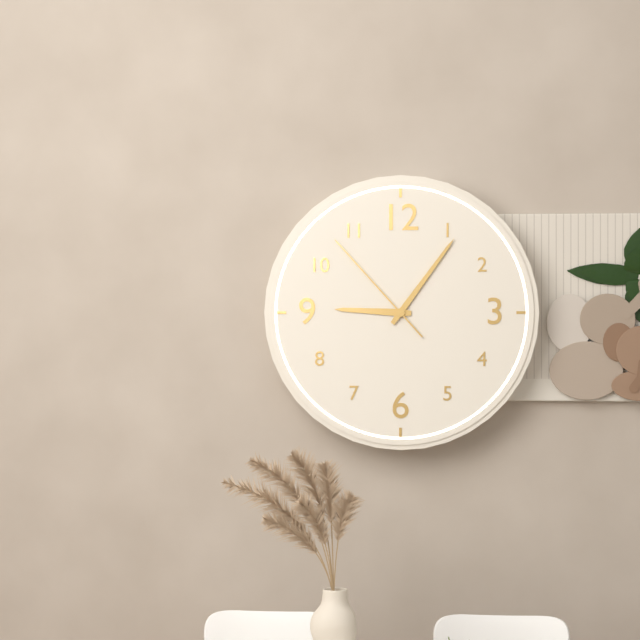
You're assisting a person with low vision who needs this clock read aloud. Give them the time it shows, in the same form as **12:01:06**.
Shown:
**9:06:53**
